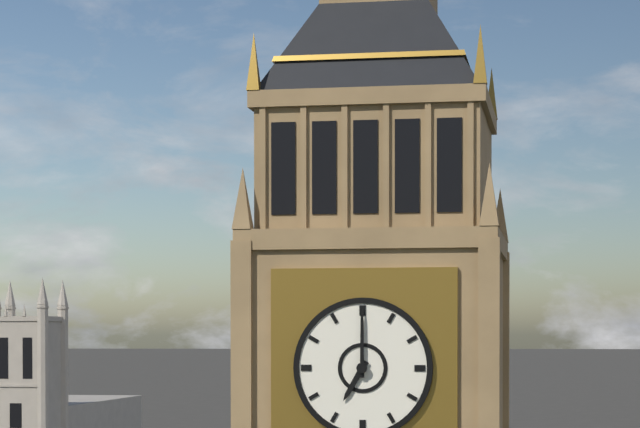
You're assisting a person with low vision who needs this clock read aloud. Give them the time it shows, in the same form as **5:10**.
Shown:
**7:00**
